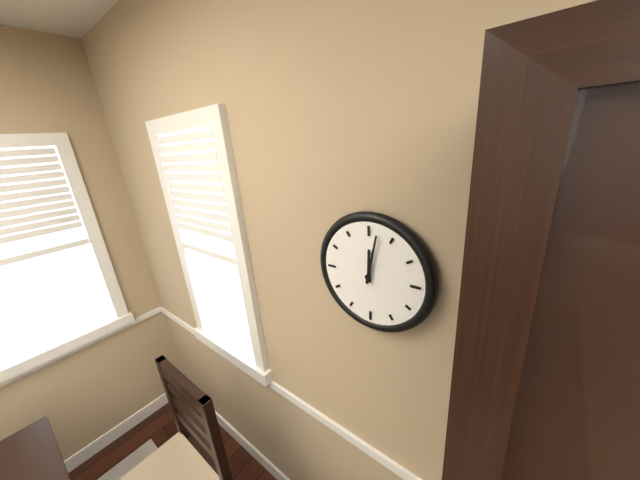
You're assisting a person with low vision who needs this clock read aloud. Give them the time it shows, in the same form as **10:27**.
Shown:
**12:02**
